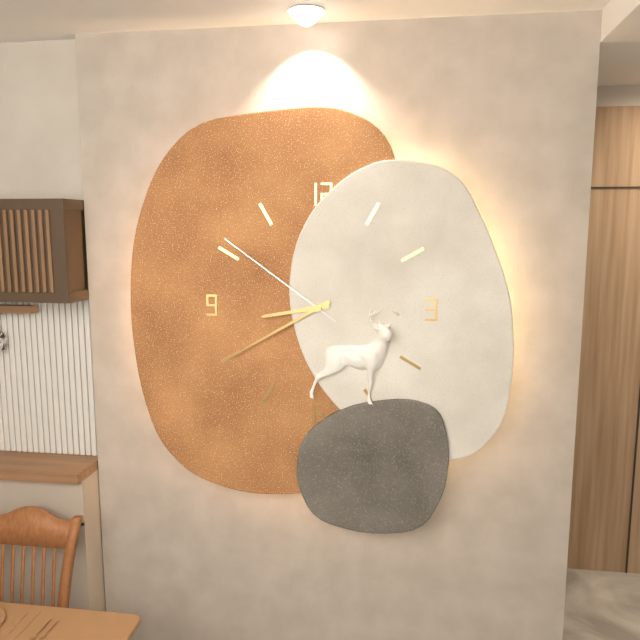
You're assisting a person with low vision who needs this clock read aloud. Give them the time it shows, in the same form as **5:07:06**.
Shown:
**8:40:51**
